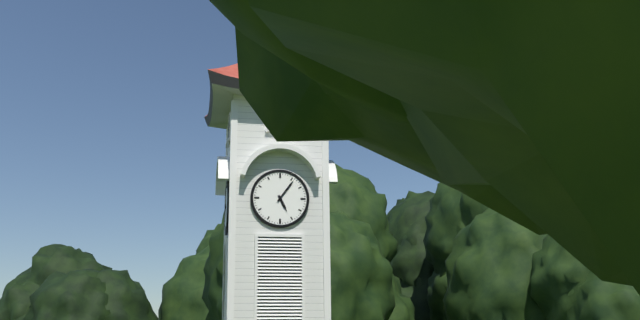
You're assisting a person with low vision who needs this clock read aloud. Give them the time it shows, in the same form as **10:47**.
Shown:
**5:06**
